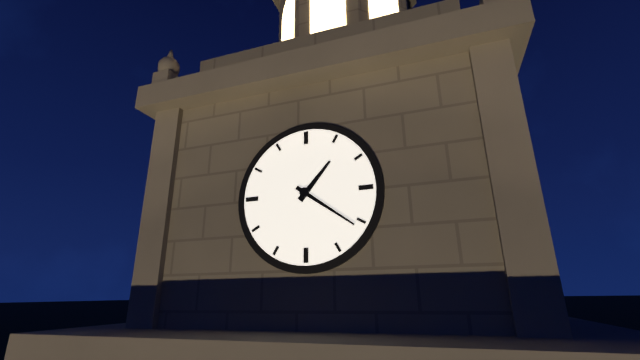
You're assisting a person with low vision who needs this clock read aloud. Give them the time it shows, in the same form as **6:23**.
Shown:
**1:21**
